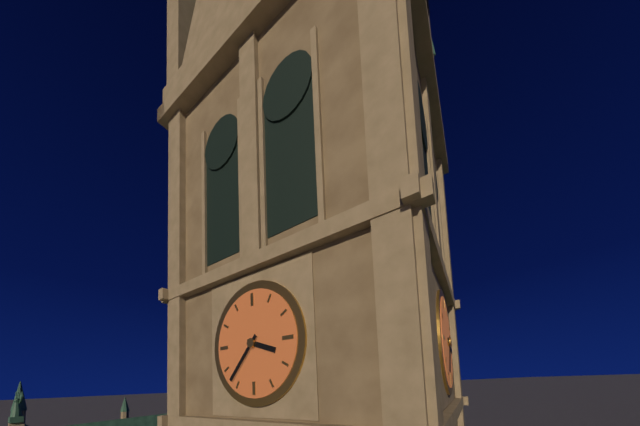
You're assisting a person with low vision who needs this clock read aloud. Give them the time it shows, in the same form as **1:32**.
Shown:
**3:37**
